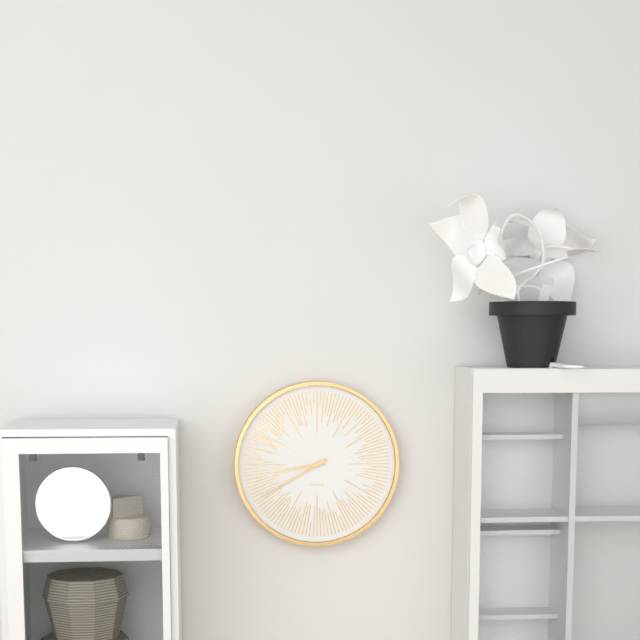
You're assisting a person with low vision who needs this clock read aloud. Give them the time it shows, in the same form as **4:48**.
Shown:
**8:40**
